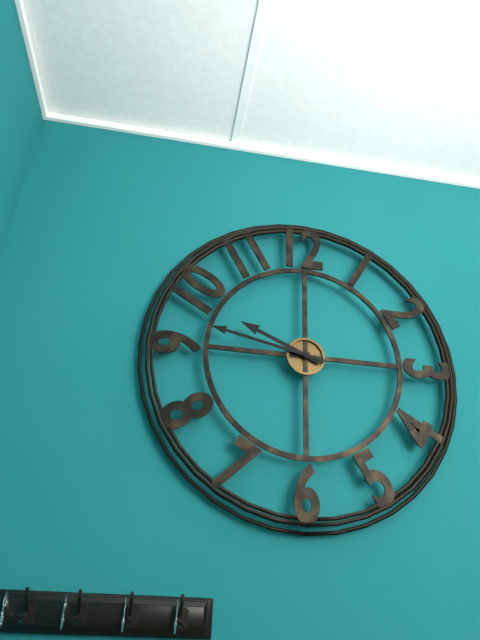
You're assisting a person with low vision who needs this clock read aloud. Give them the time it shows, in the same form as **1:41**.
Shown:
**9:47**
